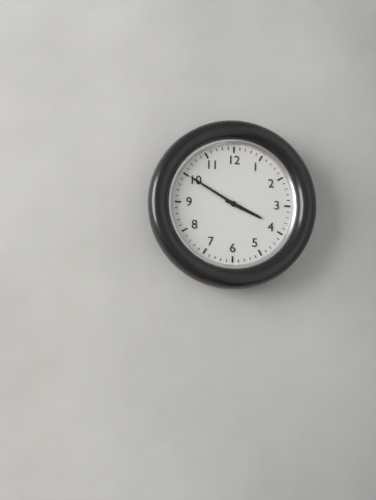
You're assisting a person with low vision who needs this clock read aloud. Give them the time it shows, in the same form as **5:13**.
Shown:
**3:50**
